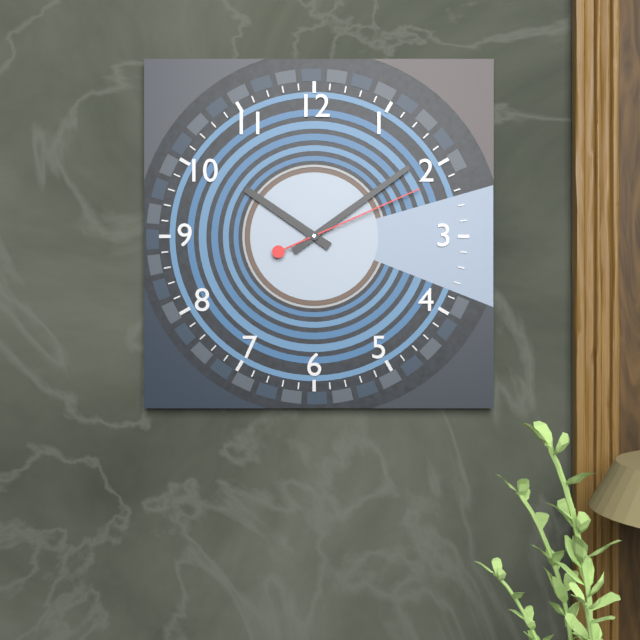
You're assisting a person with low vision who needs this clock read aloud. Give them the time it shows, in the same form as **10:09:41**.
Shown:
**10:09:11**
